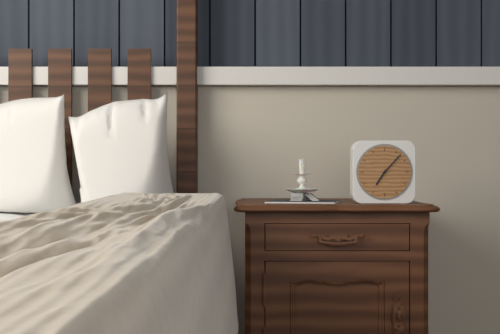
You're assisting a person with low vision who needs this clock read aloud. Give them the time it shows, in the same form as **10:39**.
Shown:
**7:07**
